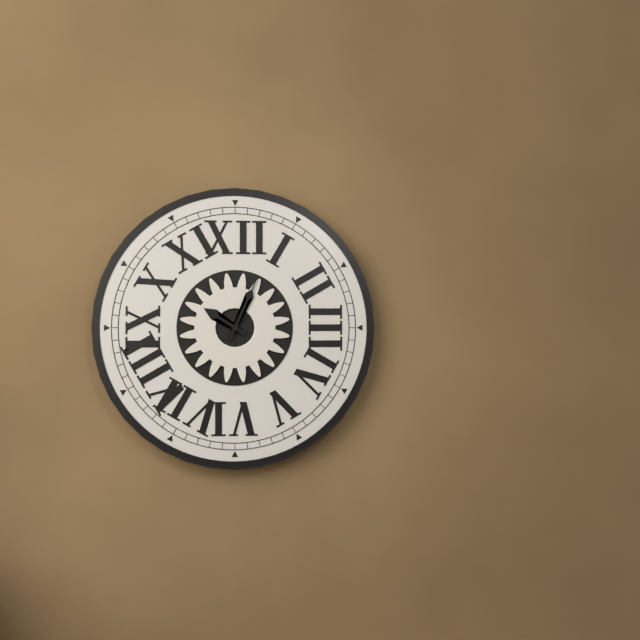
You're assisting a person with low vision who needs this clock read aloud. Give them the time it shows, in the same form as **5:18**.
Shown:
**10:04**
